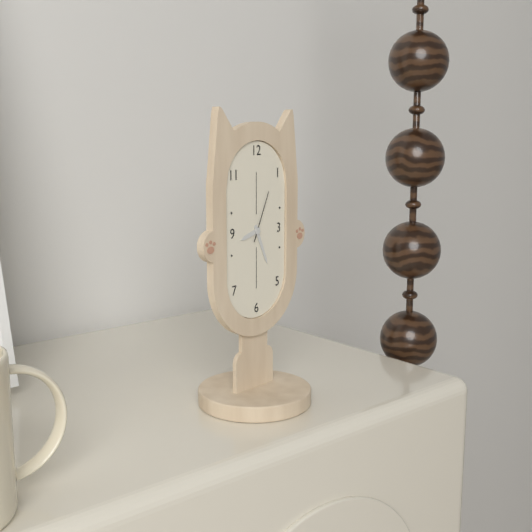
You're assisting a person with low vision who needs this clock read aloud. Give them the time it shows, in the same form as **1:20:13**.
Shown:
**8:26:04**
